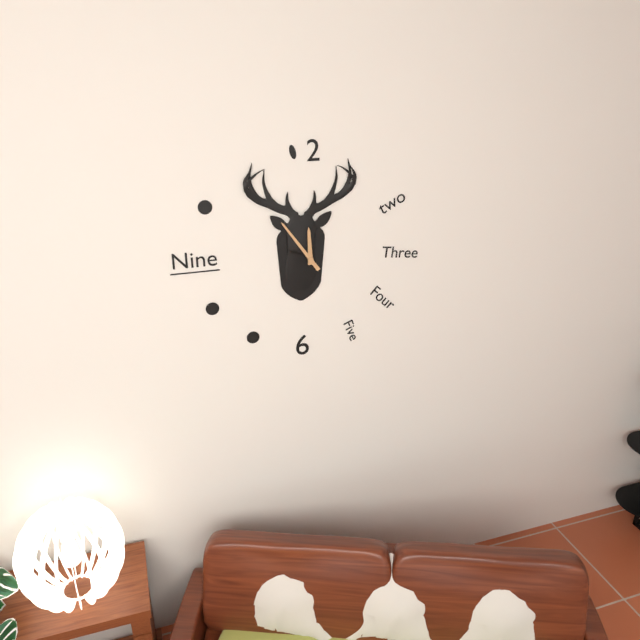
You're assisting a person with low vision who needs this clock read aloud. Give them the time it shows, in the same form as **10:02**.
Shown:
**11:54**
